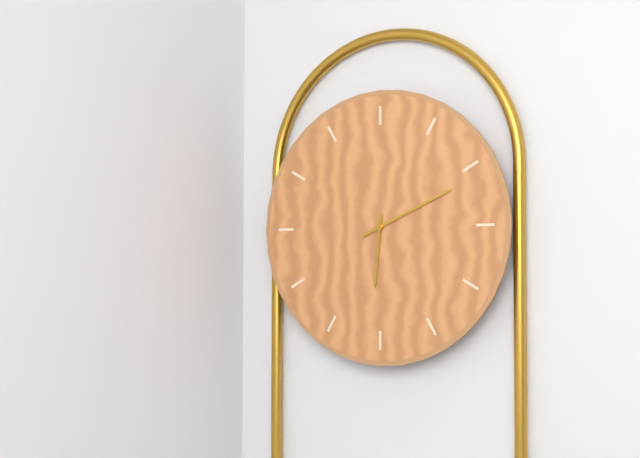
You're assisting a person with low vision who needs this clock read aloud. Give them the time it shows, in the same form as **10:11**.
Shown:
**6:11**
